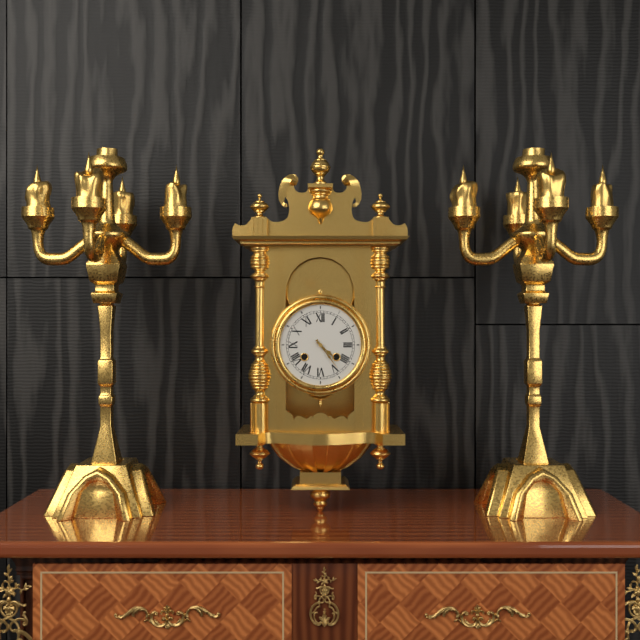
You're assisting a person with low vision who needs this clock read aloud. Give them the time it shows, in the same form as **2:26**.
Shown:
**4:24**
